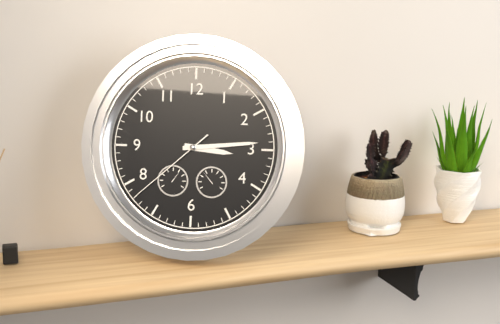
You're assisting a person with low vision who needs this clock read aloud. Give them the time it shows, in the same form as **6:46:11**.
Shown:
**3:14:38**
